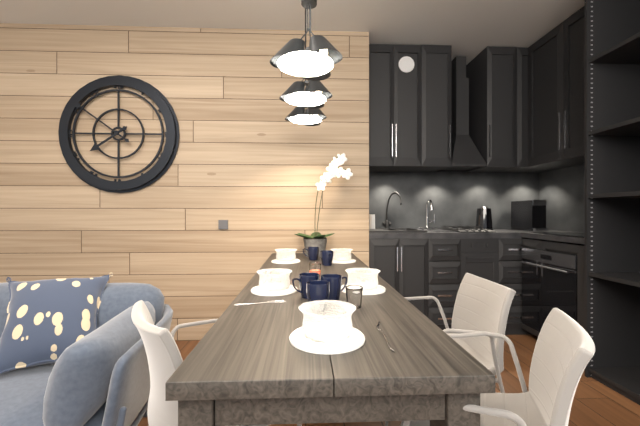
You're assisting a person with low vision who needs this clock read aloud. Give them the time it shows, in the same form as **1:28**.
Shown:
**7:51**
